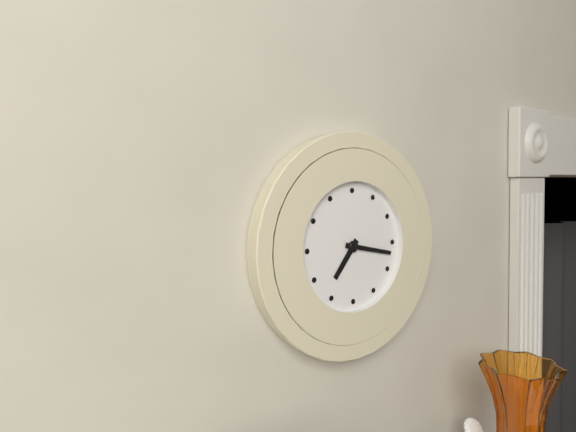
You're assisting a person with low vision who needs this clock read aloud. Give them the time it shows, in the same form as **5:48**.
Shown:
**7:17**
